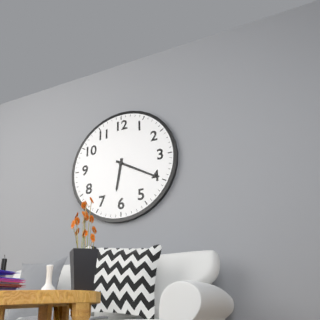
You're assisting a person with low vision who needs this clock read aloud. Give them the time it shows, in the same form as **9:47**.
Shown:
**6:20**
